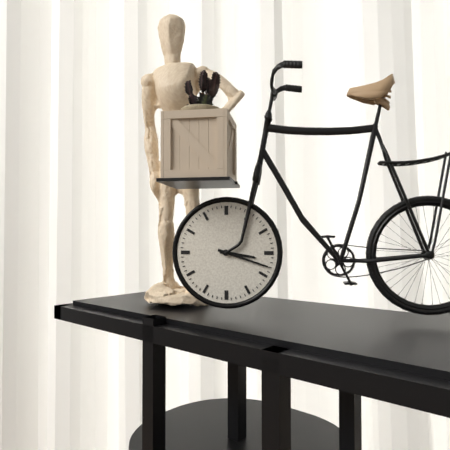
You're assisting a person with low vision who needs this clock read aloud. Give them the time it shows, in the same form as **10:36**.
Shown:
**3:18**
